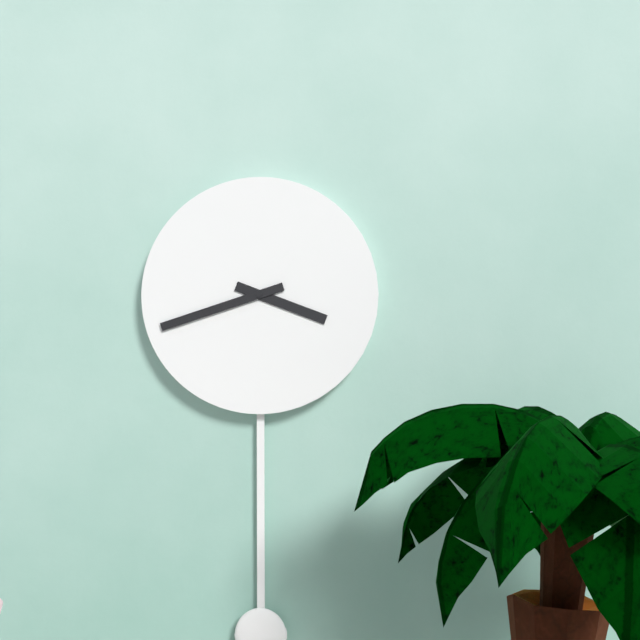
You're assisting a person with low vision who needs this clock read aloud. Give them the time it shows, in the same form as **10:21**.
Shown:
**3:42**
